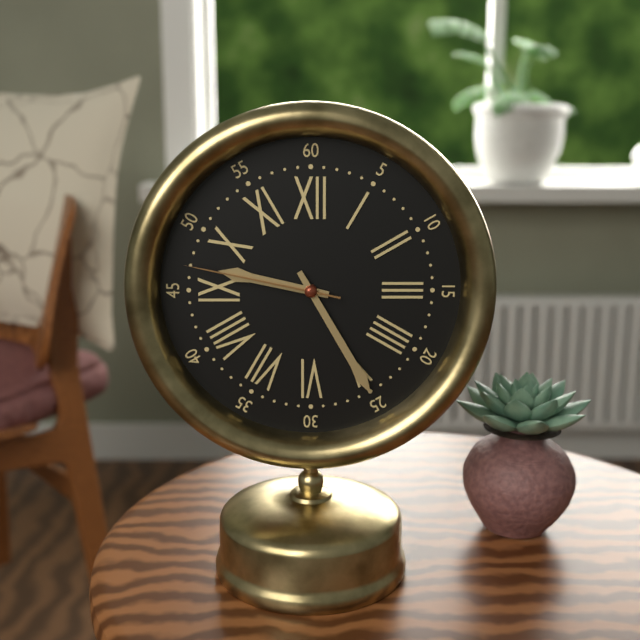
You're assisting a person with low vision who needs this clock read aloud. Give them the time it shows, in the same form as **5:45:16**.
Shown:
**9:25:47**
